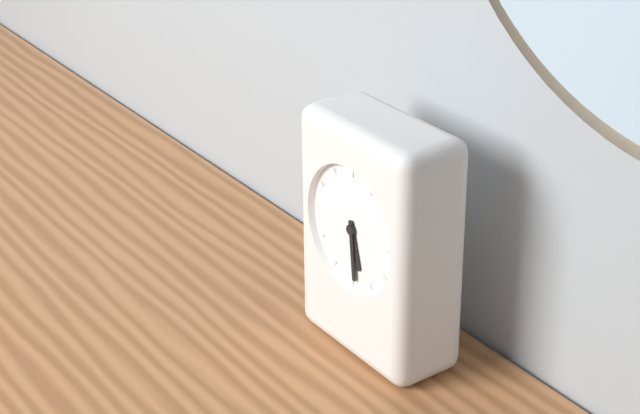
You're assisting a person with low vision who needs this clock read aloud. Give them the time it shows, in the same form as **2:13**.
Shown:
**5:29**
